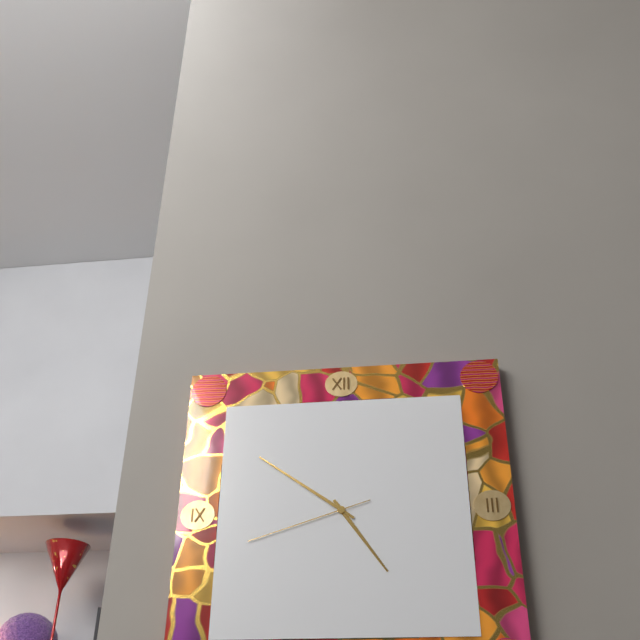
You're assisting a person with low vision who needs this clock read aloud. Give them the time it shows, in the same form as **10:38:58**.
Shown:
**4:51:42**
